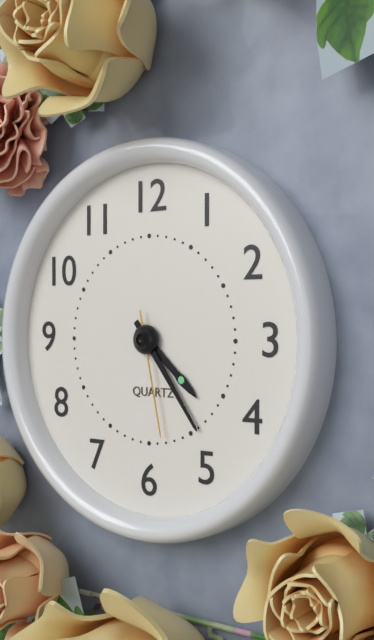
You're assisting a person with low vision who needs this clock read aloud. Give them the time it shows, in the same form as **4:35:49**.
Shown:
**4:24:28**
